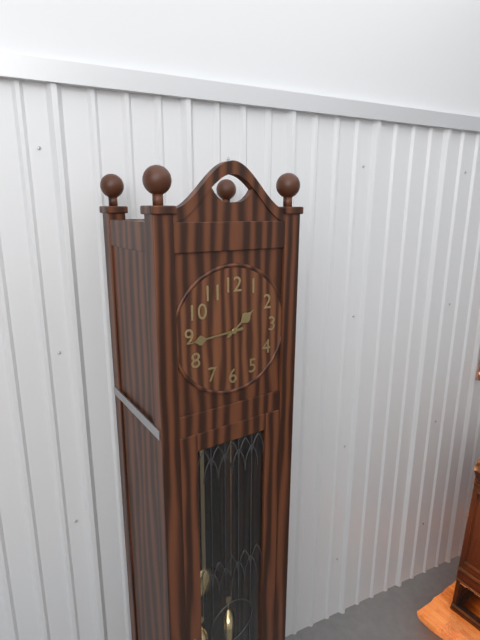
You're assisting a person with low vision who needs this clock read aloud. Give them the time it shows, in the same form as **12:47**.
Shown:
**1:44**
